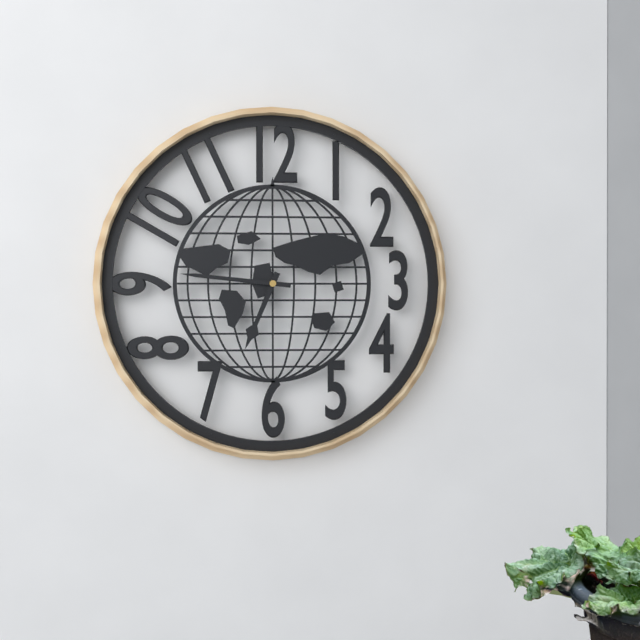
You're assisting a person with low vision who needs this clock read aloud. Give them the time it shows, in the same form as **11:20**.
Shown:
**6:46**
